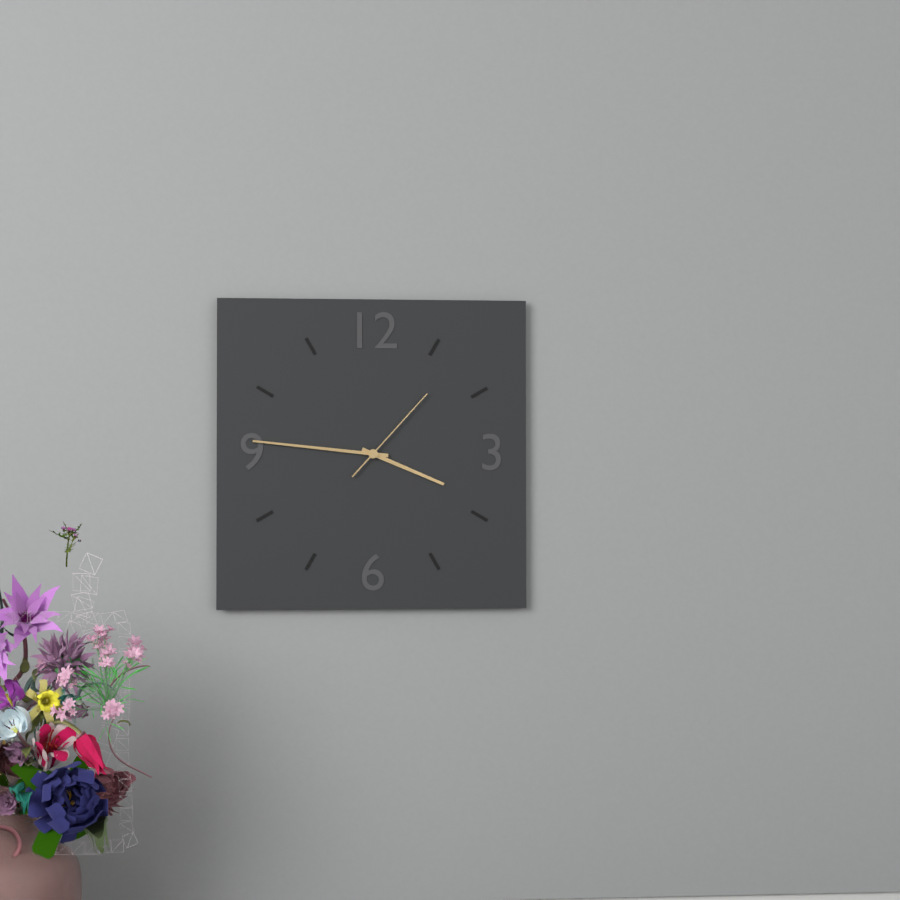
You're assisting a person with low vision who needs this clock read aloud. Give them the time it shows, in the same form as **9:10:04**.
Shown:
**3:46:07**
